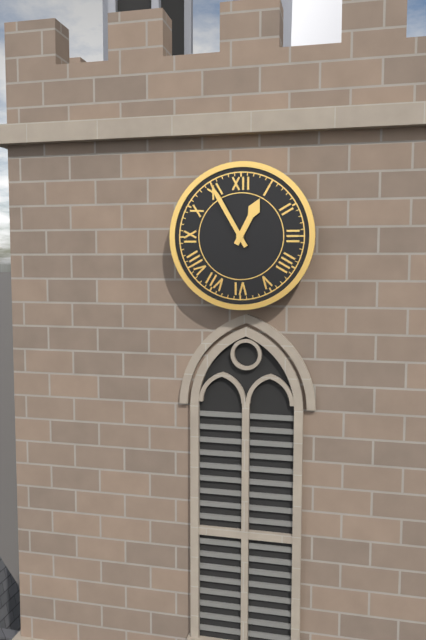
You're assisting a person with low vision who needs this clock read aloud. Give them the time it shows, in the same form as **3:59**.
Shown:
**12:55**
